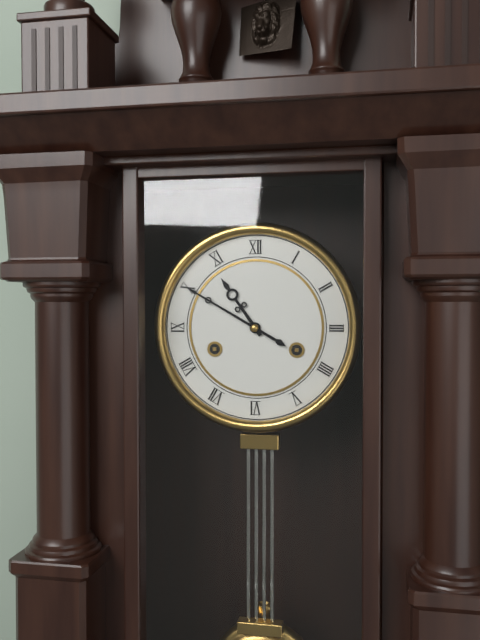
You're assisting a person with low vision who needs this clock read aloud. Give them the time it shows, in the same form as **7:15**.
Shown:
**10:50**
